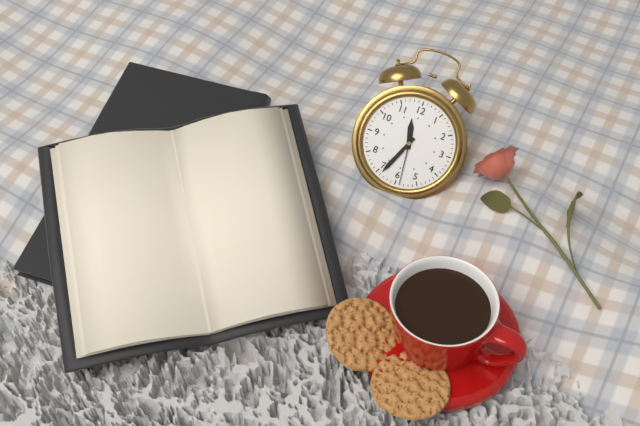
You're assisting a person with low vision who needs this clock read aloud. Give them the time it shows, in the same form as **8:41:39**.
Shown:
**11:34:29**
